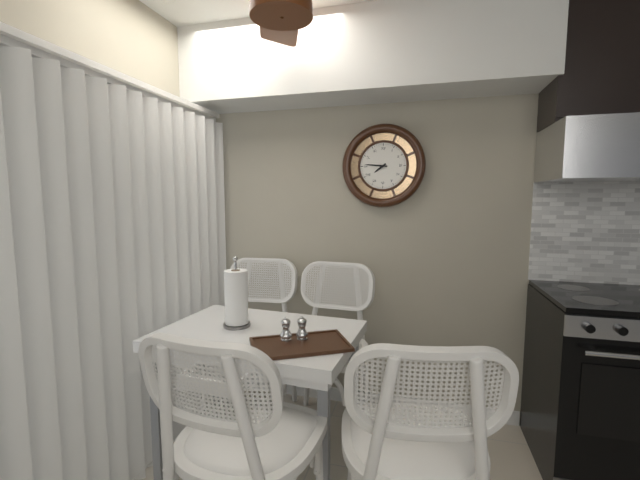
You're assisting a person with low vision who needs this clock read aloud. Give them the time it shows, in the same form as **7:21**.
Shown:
**7:46**
